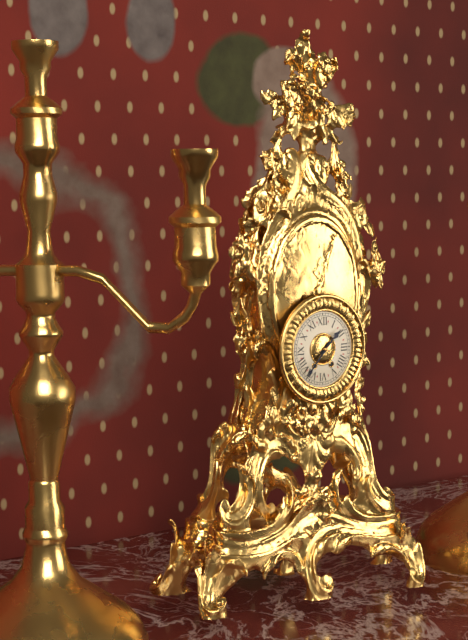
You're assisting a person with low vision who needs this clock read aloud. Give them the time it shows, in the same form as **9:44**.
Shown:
**1:37**
